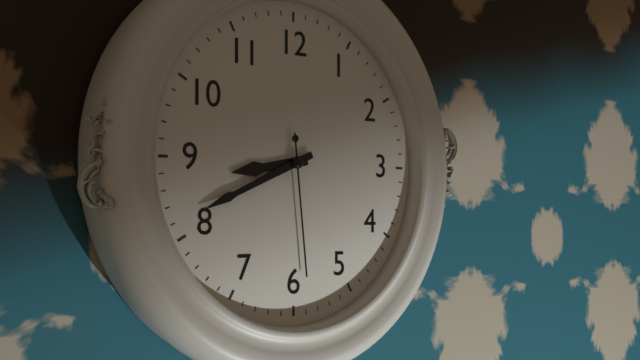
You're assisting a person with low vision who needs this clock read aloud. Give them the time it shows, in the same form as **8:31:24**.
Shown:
**8:41:29**
